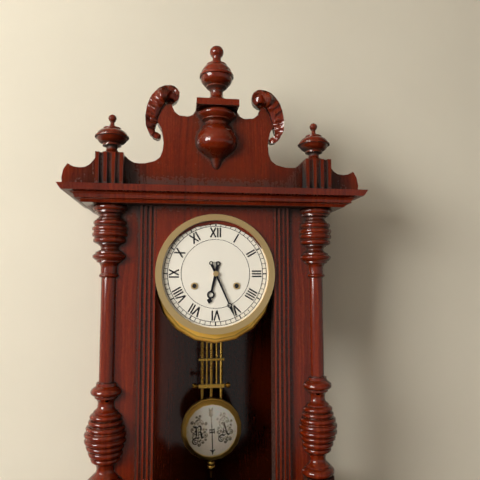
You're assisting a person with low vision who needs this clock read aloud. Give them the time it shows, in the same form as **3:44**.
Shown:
**6:26**
